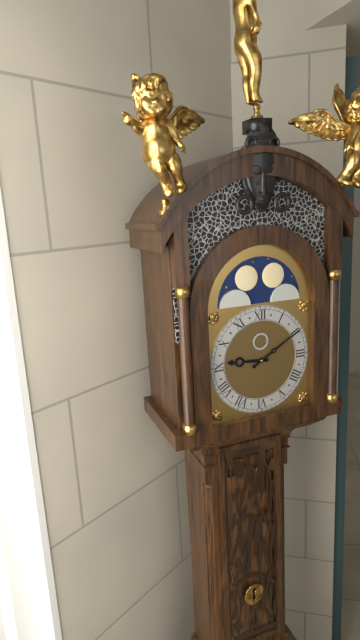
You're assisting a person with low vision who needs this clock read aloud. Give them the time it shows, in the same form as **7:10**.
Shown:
**9:10**
